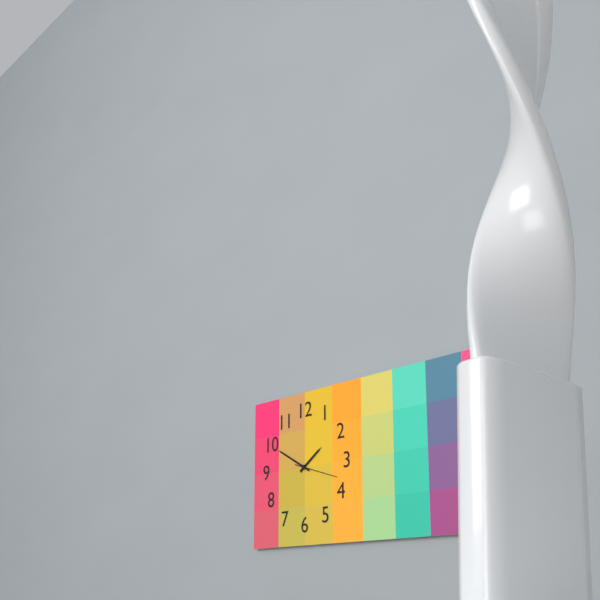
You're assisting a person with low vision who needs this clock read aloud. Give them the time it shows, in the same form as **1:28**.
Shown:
**1:50**
